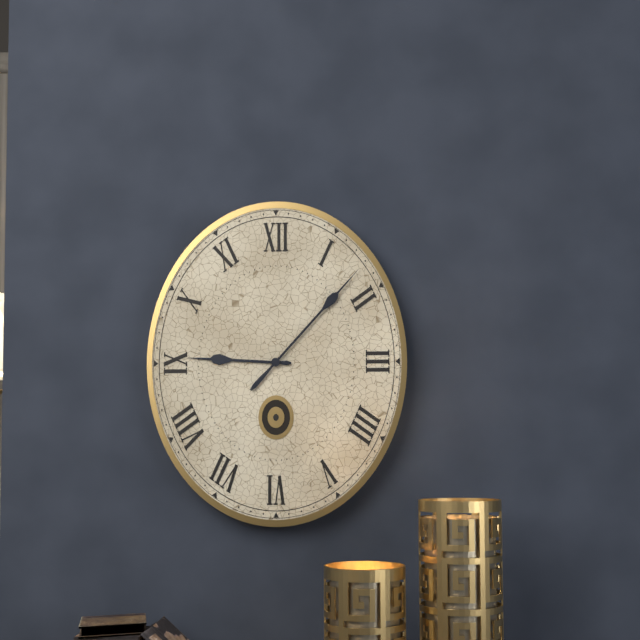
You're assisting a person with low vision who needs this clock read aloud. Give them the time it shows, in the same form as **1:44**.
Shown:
**9:07**
